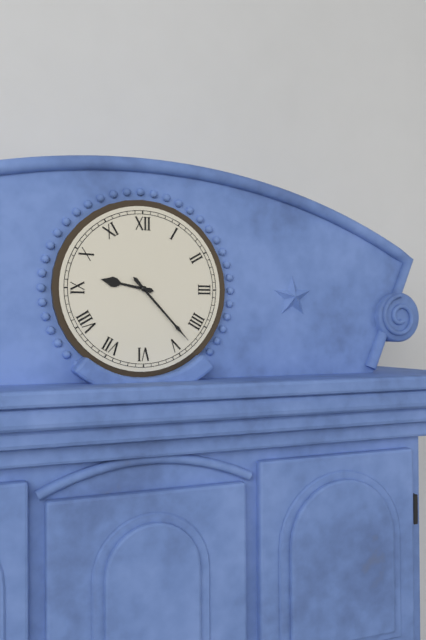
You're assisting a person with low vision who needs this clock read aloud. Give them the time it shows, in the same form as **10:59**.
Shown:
**9:23**
